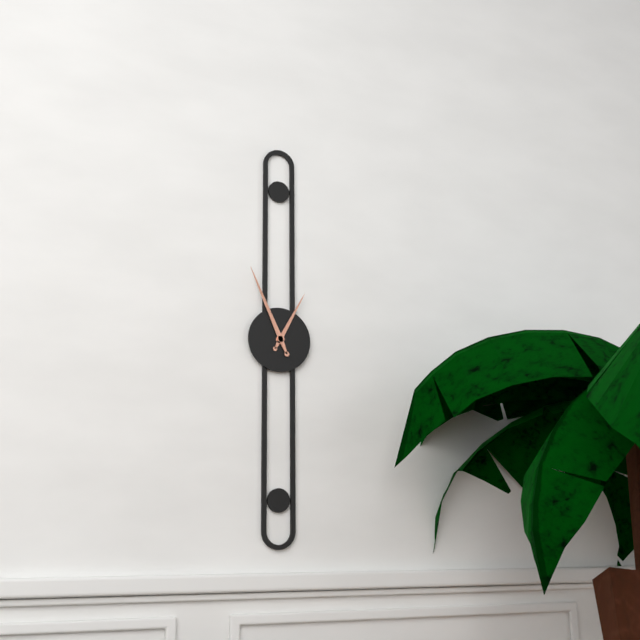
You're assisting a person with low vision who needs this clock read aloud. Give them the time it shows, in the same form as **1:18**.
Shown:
**12:56**
